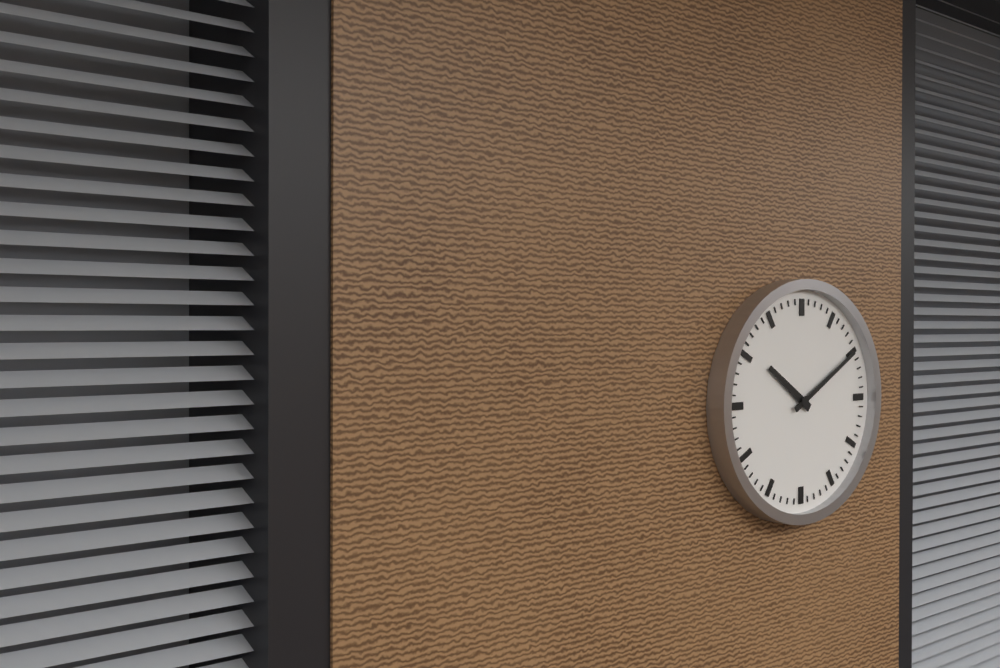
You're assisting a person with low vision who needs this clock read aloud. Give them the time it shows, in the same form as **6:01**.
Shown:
**10:10**
